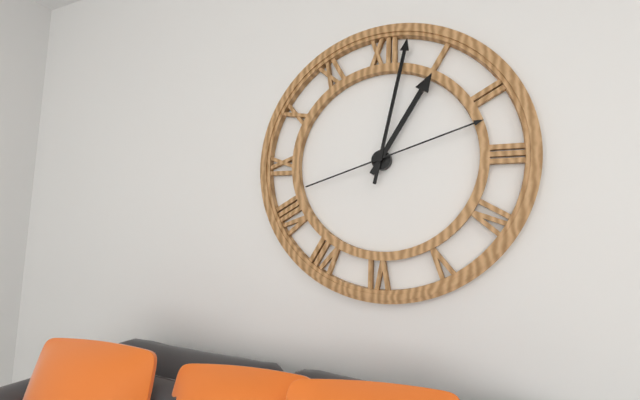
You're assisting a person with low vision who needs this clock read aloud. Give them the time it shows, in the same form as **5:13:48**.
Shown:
**1:02:12**
